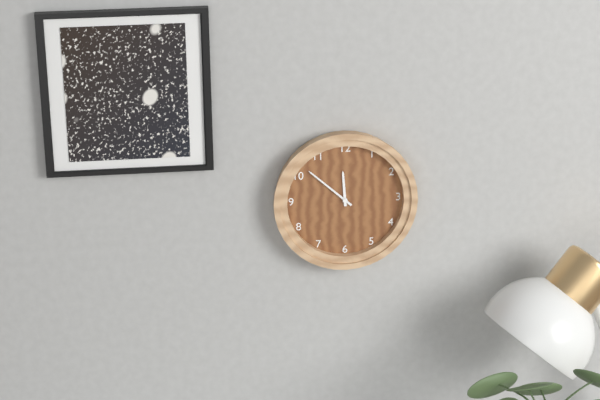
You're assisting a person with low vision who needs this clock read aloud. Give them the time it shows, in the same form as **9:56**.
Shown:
**11:52**
